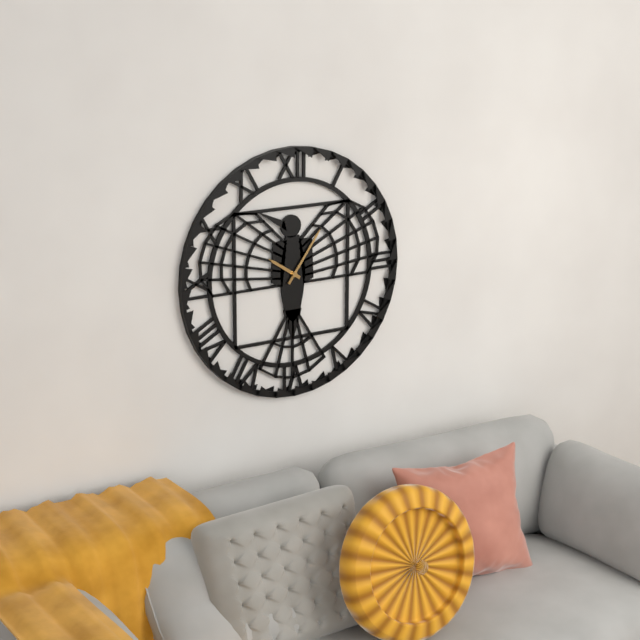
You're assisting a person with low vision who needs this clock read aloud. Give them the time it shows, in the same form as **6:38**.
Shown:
**10:06**
